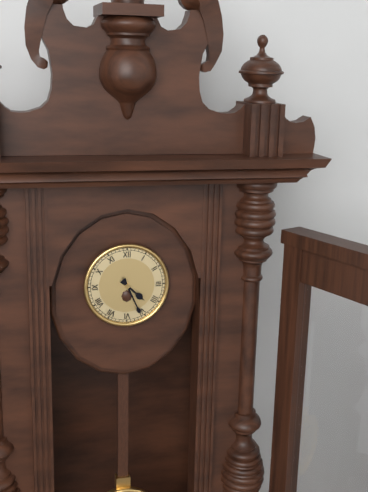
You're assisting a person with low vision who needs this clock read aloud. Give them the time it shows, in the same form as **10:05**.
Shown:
**4:26**
